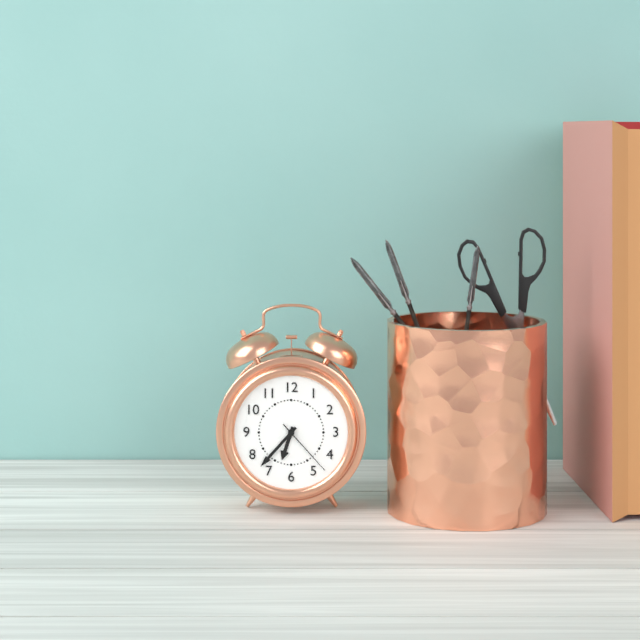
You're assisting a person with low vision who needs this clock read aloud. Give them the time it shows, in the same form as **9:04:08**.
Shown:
**6:37:23**
